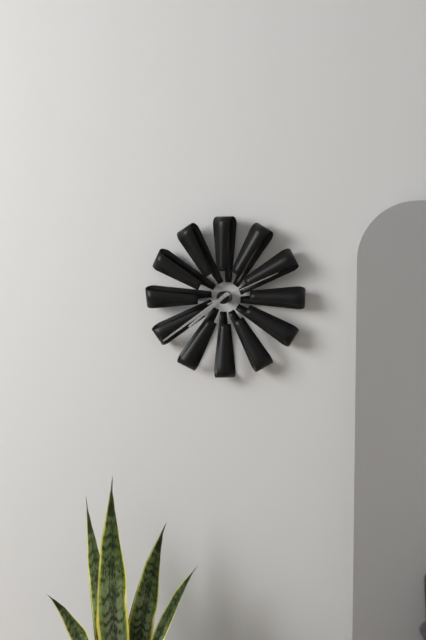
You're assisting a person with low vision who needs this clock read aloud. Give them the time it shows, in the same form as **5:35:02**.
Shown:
**7:39:11**
